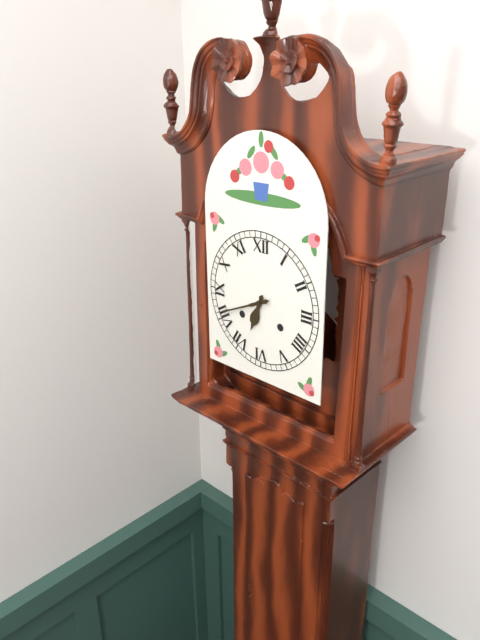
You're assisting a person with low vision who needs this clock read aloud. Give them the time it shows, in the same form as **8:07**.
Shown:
**6:41**
